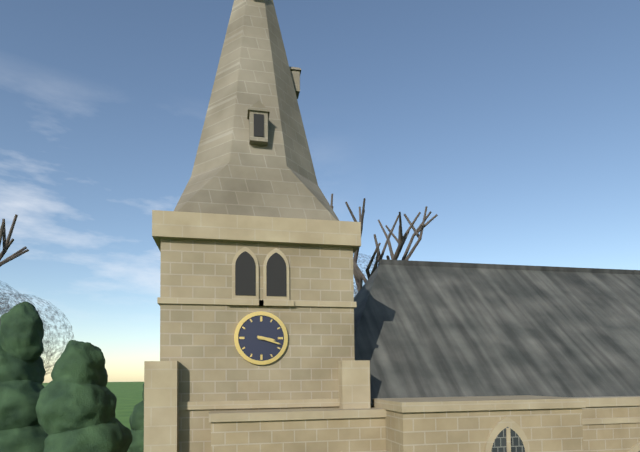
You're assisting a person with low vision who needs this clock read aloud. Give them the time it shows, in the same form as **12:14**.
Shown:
**3:18**
